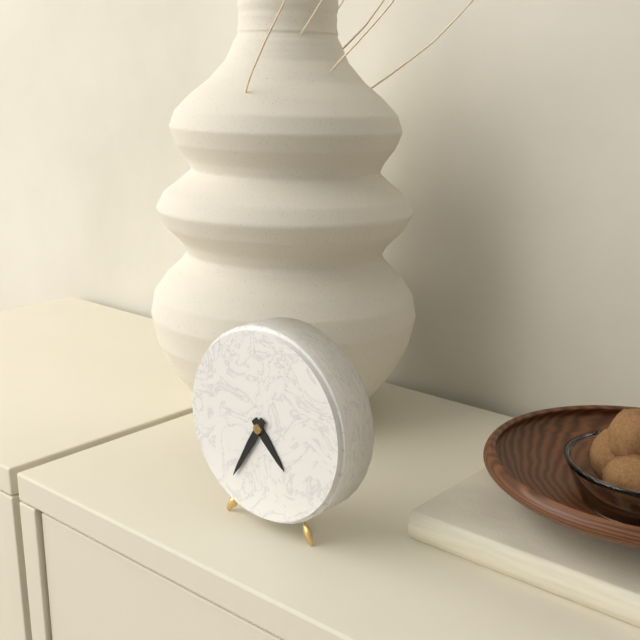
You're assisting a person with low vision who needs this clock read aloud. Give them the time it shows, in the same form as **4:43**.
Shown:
**4:35**
